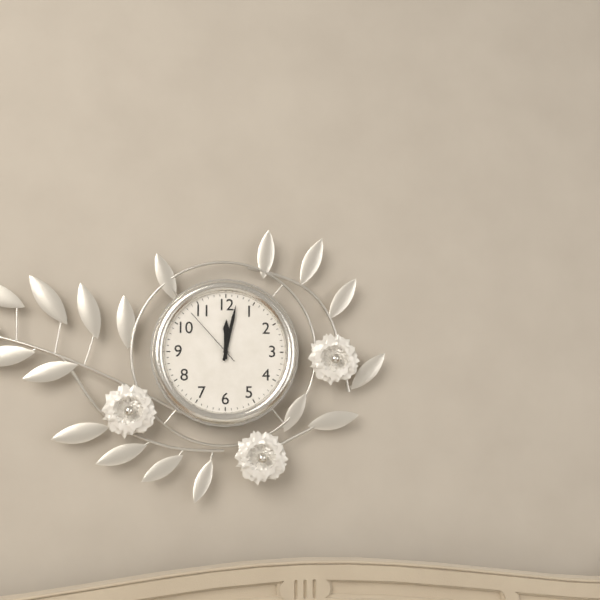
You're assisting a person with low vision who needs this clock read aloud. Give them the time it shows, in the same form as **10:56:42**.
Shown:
**12:02:53**
